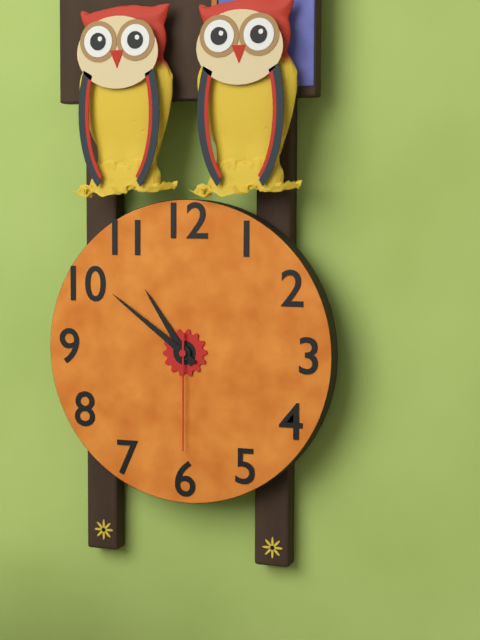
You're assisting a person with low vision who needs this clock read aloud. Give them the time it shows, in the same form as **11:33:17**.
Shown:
**10:51:30**
